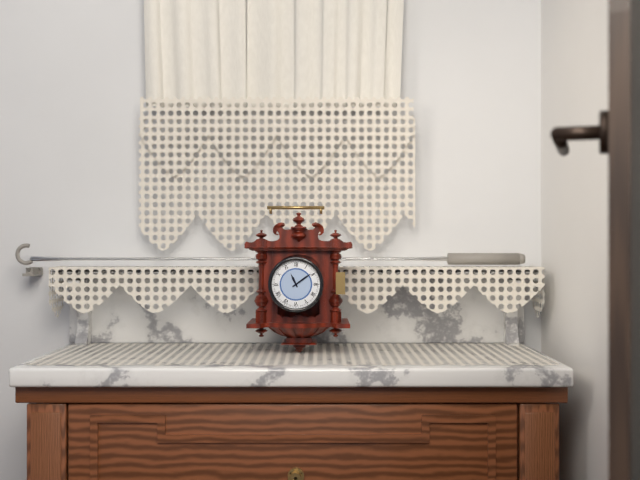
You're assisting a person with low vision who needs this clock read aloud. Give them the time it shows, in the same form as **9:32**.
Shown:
**11:09**
